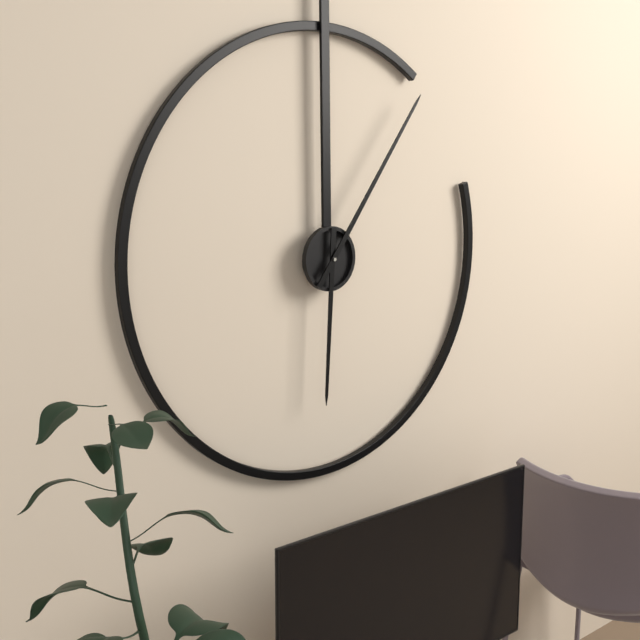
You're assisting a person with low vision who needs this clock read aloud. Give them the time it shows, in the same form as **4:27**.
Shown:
**6:06**
